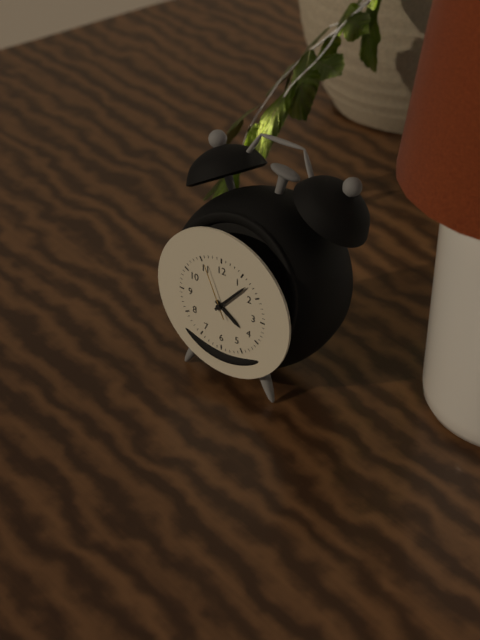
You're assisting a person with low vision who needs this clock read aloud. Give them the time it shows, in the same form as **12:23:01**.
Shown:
**4:07:56**
